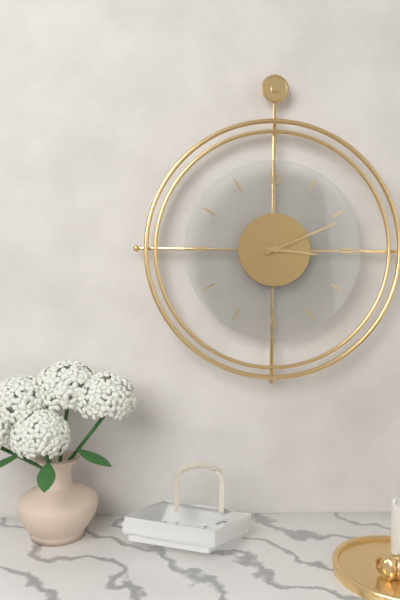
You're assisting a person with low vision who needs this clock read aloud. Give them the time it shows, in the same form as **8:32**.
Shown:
**3:11**
